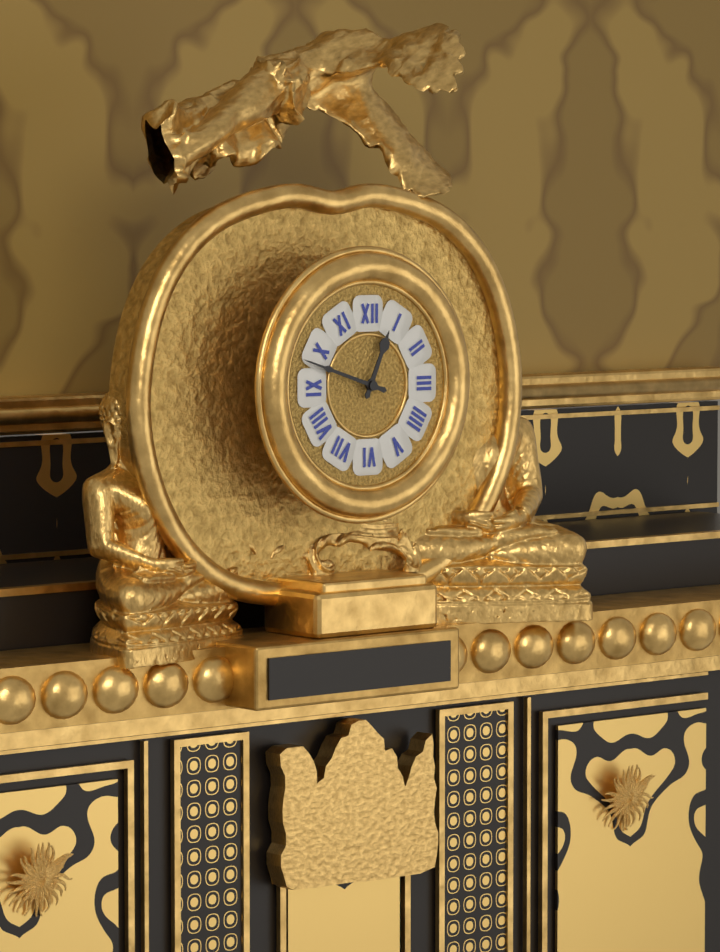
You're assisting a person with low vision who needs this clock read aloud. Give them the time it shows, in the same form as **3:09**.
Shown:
**12:48**
